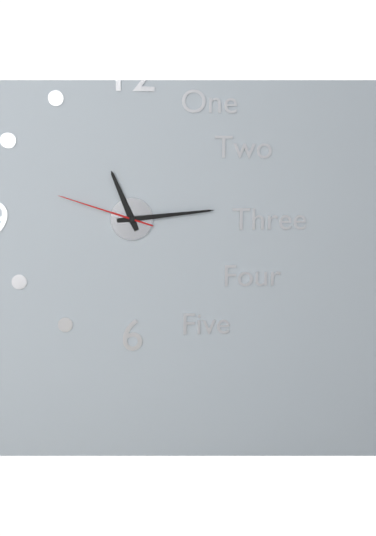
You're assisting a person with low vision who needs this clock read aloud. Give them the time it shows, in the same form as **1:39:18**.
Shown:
**11:14:48**
